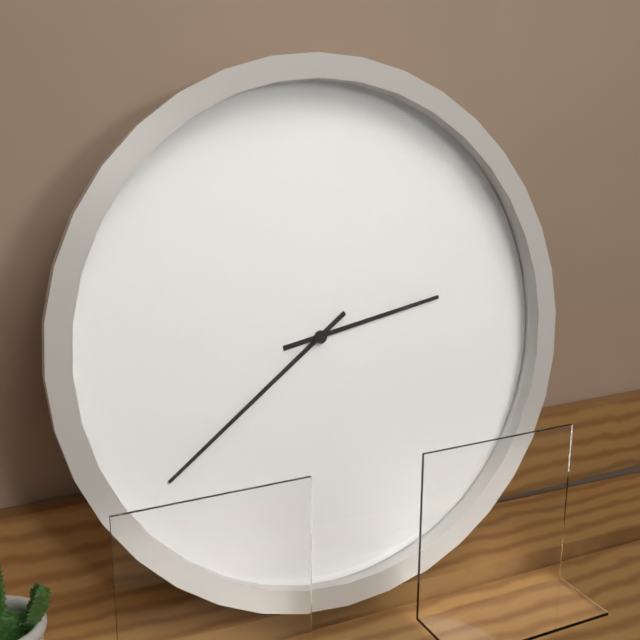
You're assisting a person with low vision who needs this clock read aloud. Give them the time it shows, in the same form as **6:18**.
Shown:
**2:39**
